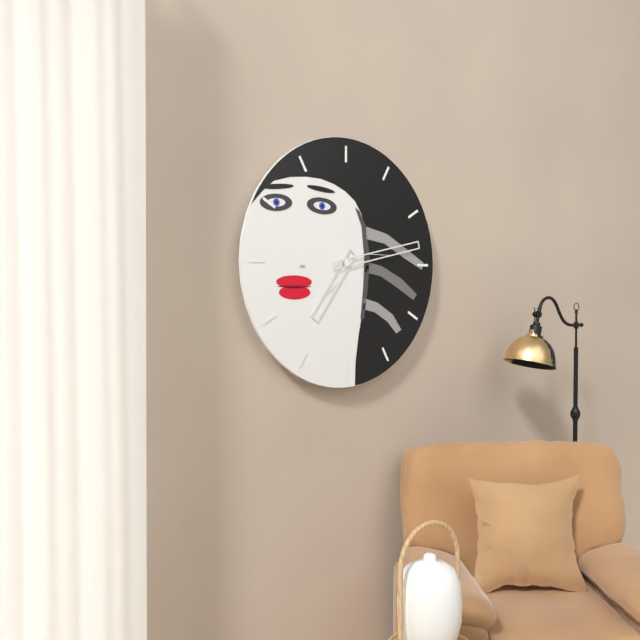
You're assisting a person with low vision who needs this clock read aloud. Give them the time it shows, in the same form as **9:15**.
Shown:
**7:13**
